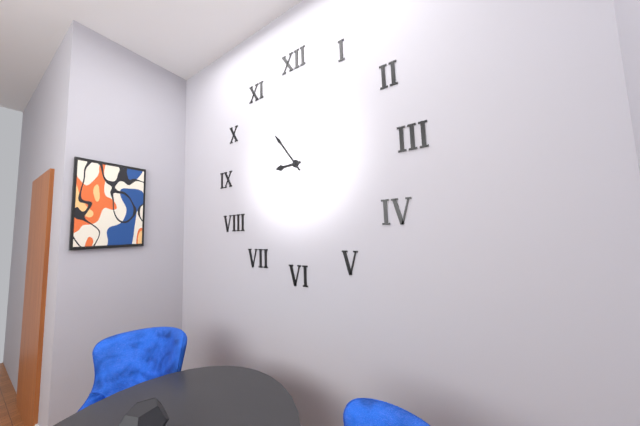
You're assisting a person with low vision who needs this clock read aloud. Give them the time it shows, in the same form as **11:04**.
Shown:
**8:54**
